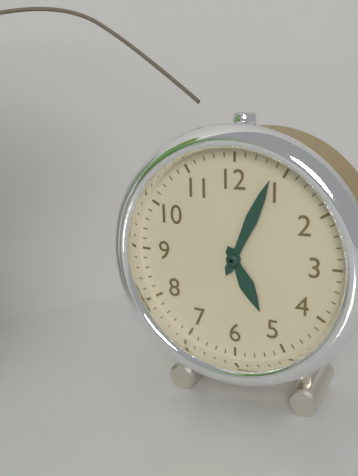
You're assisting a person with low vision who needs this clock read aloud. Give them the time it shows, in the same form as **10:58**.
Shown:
**5:04**
